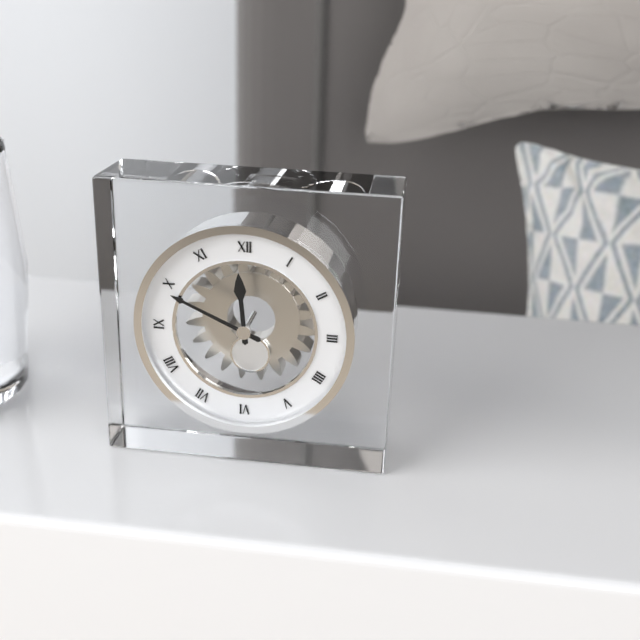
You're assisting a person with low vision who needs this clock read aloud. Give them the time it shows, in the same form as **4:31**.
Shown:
**11:49**
